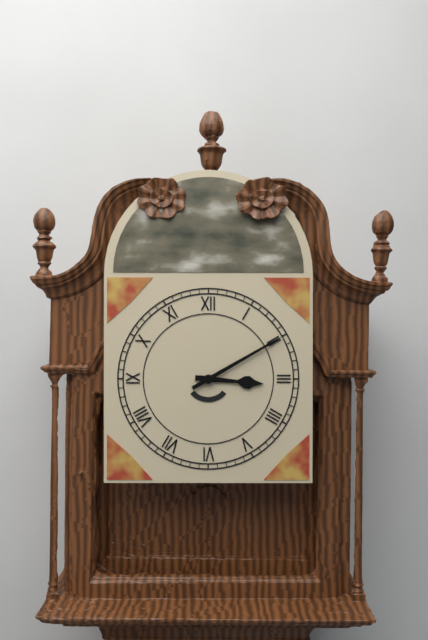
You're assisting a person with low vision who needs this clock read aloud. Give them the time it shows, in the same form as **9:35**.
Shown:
**3:10**
